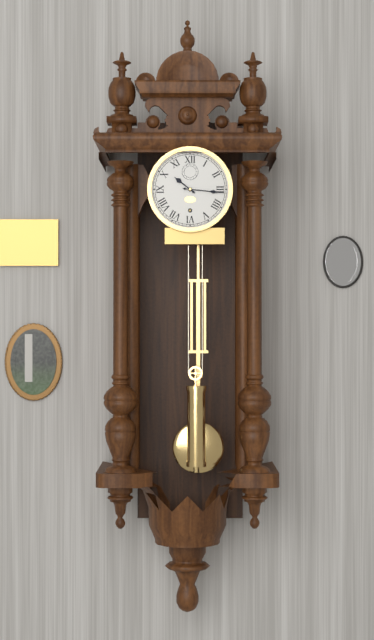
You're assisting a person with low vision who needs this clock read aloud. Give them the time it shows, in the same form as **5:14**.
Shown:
**10:16**
